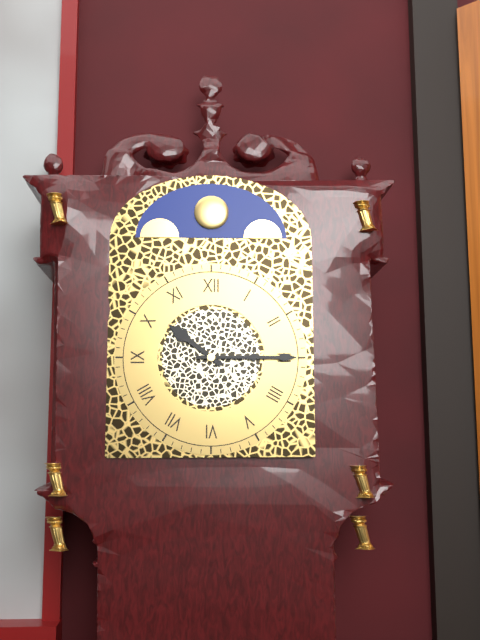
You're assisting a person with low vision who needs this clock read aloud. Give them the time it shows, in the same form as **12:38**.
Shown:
**10:15**
